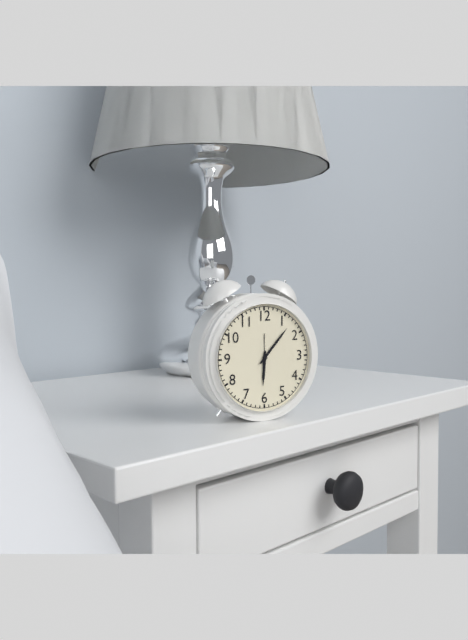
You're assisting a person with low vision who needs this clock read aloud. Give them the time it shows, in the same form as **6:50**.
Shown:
**6:07**
